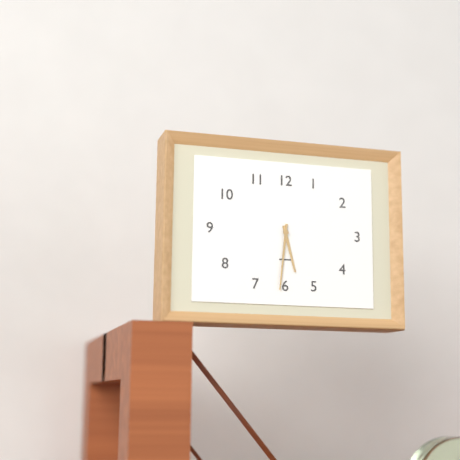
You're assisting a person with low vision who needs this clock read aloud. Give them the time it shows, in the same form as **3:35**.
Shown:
**5:31**
